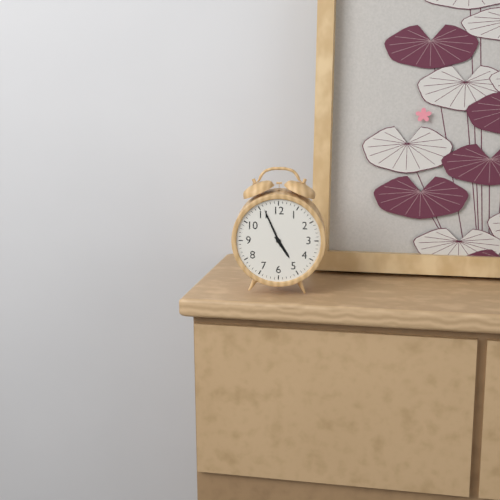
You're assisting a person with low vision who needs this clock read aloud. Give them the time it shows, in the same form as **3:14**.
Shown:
**4:56**
